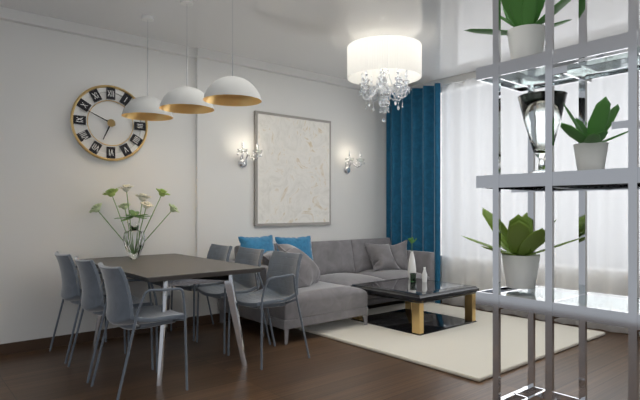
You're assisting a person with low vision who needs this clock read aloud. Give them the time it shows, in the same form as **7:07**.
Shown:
**6:49**
